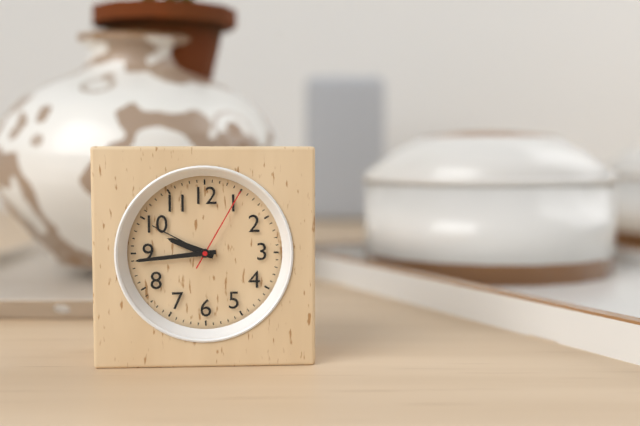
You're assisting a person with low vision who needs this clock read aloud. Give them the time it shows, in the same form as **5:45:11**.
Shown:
**9:44:05**
